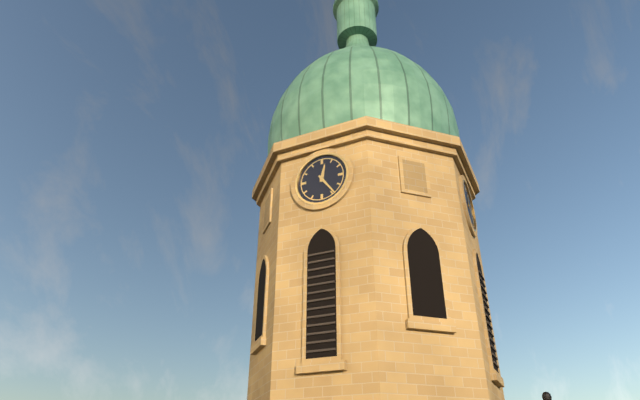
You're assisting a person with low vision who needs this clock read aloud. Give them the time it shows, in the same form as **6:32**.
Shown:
**12:24**
